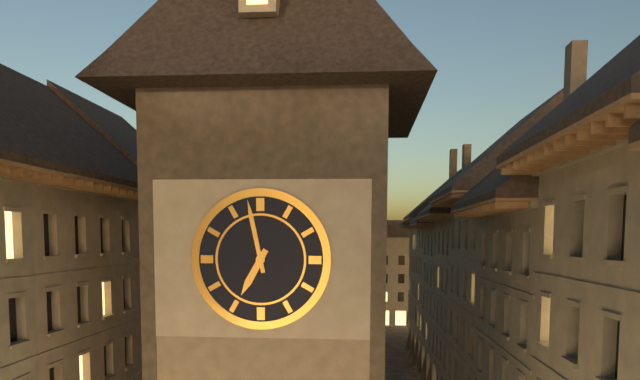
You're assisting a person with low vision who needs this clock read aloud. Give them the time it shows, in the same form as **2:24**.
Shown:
**6:58**
